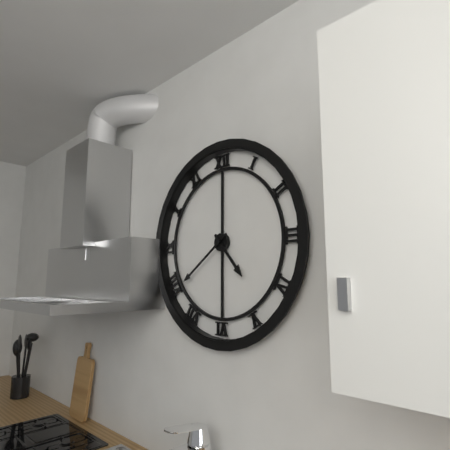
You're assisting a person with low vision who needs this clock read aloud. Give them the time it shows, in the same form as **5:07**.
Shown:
**4:39**
